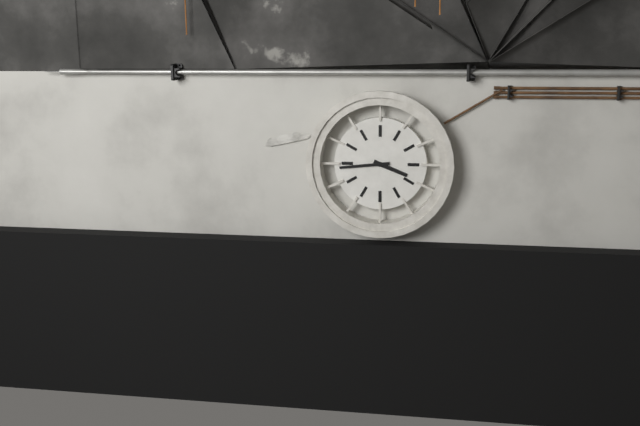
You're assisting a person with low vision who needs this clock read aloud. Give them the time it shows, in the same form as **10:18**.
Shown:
**3:44**
